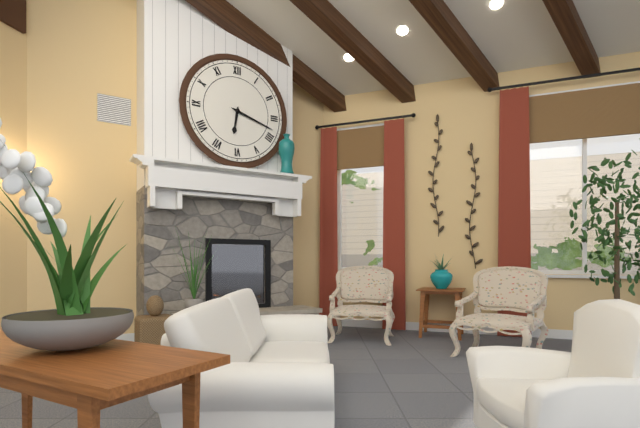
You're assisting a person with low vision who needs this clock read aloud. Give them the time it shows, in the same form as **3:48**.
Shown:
**6:18**
